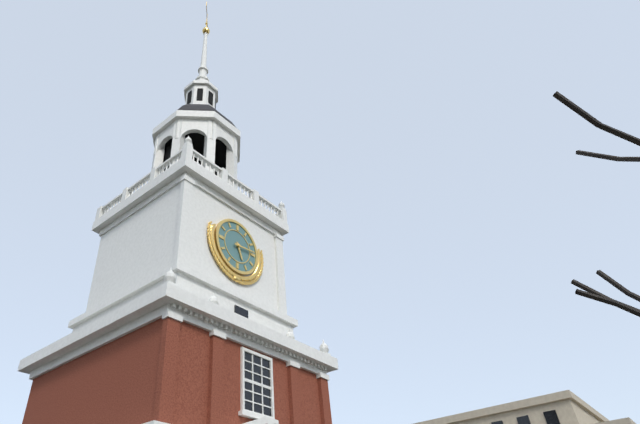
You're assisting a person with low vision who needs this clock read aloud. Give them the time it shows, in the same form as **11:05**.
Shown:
**5:14**
